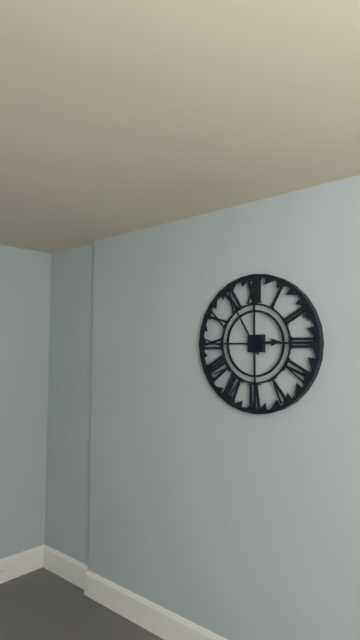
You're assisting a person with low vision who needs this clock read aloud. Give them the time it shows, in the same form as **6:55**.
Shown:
**2:55**
